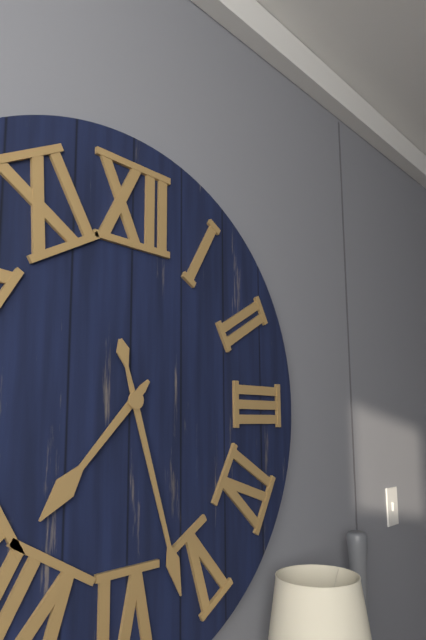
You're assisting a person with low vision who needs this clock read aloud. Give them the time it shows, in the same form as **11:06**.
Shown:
**7:27**
